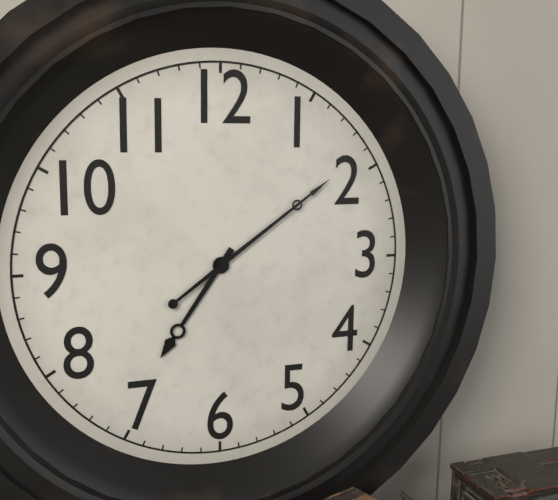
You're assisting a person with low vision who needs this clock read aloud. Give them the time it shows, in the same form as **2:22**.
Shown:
**7:09**
